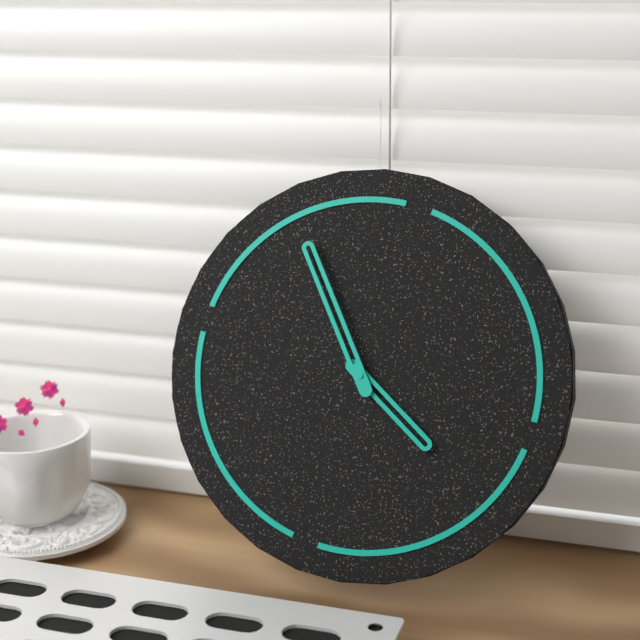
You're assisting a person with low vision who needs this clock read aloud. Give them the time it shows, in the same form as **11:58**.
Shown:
**3:53**
